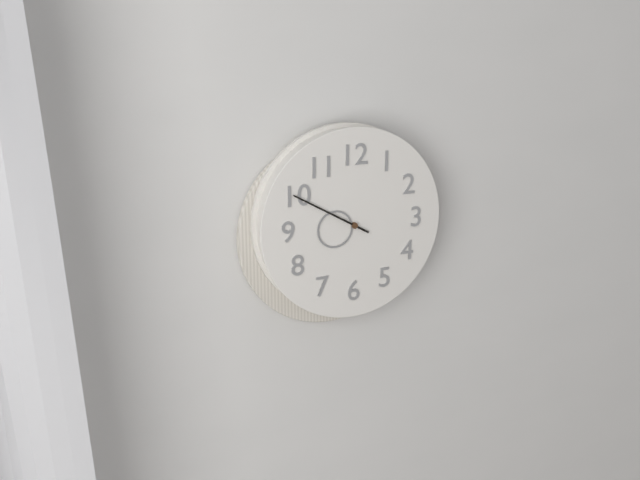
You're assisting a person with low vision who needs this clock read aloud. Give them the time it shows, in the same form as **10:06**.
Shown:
**8:50**
